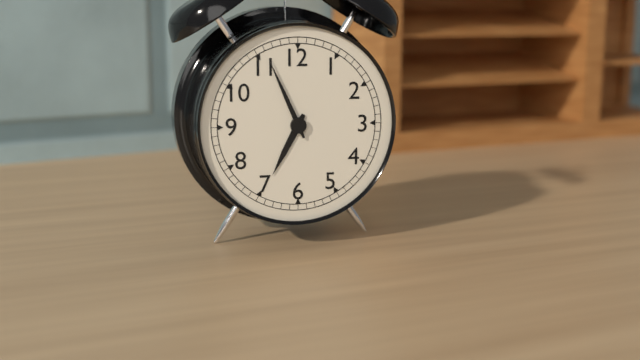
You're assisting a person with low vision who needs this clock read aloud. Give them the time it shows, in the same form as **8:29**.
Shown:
**6:56**
